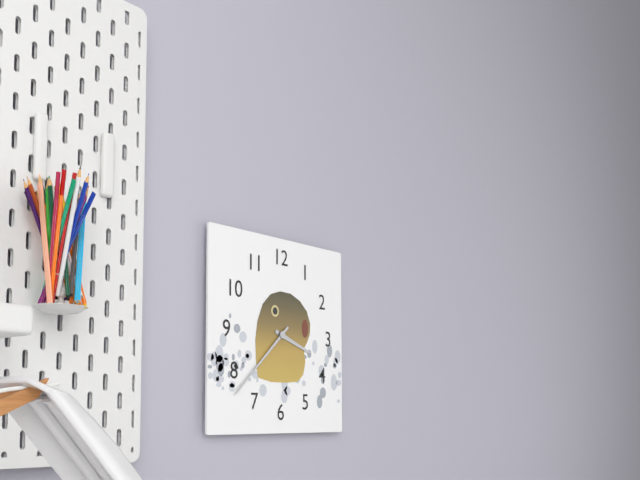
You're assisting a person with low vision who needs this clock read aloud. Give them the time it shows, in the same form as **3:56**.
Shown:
**3:38**
